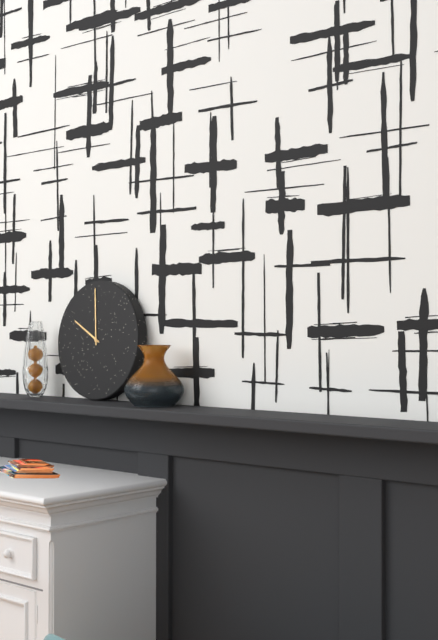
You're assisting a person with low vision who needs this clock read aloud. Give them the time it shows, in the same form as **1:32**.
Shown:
**9:59**
